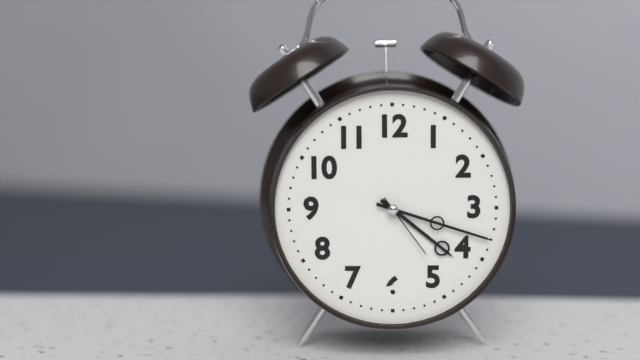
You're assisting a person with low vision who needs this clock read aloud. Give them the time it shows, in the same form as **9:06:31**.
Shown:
**4:18:24**
